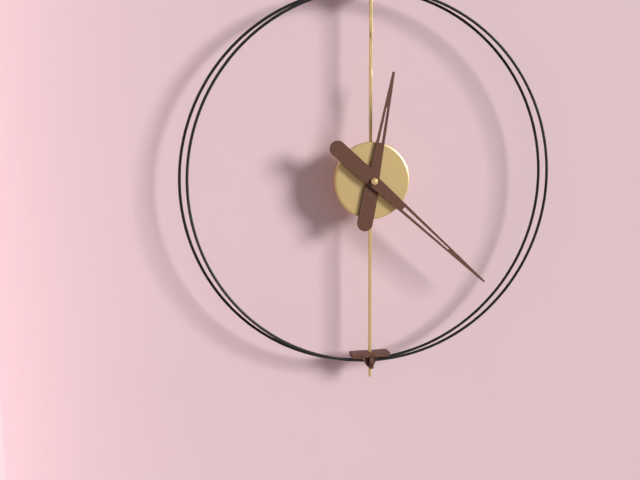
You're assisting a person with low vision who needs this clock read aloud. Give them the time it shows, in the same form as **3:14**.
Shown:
**12:22**
